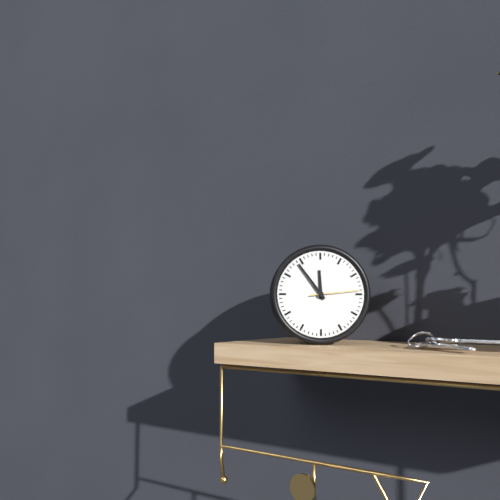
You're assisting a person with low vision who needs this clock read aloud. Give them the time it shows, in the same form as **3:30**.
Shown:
**11:54**
